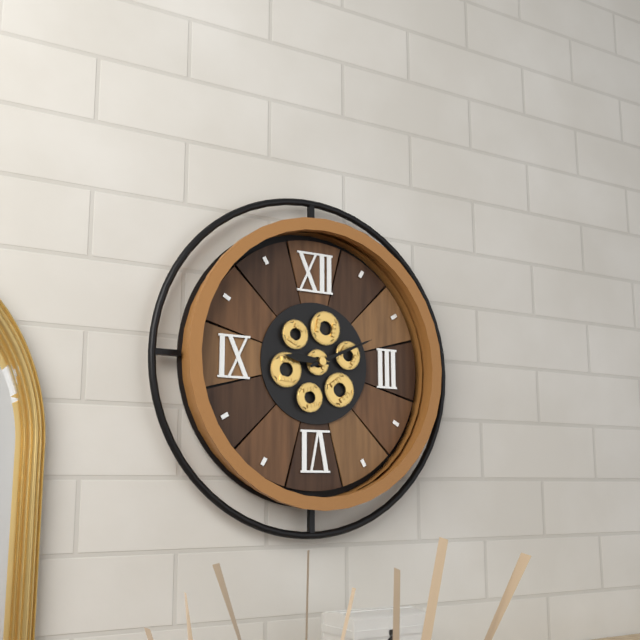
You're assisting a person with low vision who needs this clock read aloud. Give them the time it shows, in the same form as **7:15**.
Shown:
**9:11**
